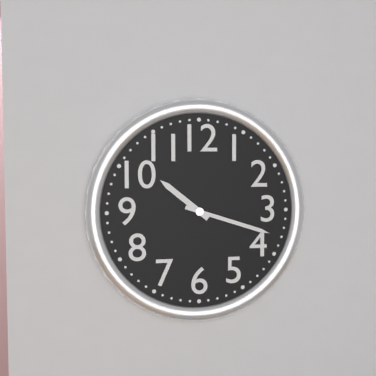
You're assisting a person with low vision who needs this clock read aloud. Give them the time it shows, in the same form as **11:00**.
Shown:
**10:18**
